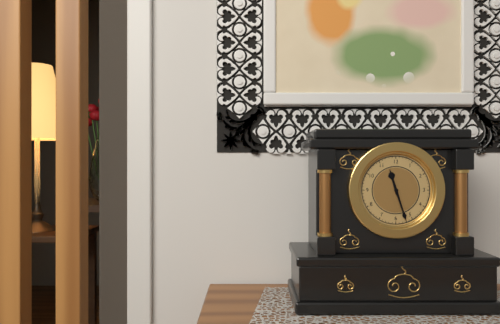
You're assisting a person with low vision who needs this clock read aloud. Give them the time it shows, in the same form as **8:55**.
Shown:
**11:27**
